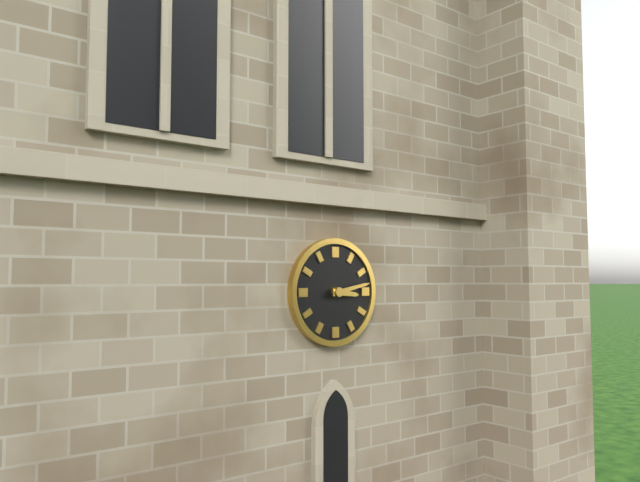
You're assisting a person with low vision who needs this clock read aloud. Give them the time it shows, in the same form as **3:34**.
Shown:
**3:13**
